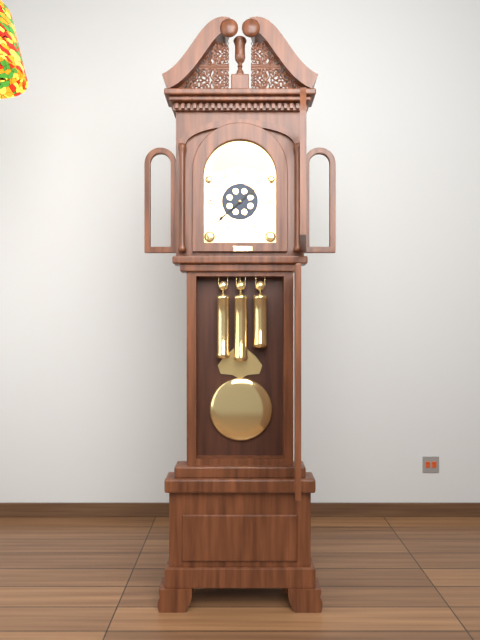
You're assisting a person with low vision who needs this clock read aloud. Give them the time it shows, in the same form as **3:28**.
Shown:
**1:38**
